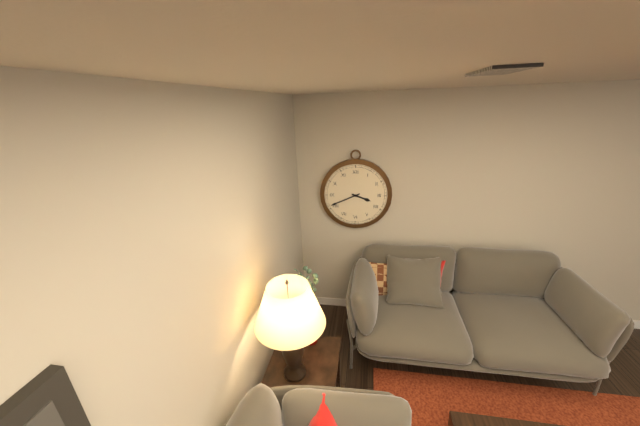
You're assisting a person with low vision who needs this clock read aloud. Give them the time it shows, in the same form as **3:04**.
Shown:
**3:41**
